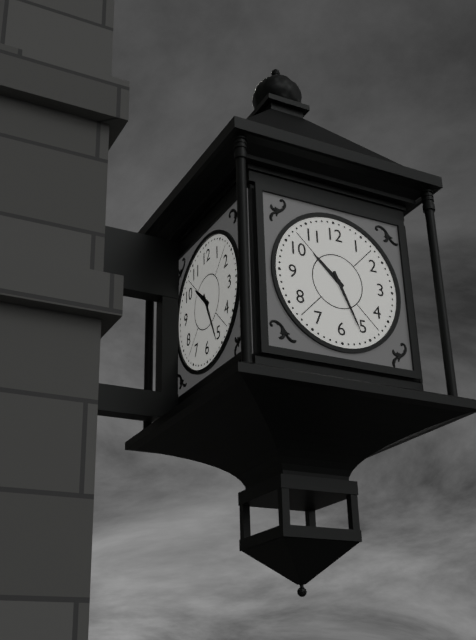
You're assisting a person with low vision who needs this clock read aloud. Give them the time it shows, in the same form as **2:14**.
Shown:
**10:26**
